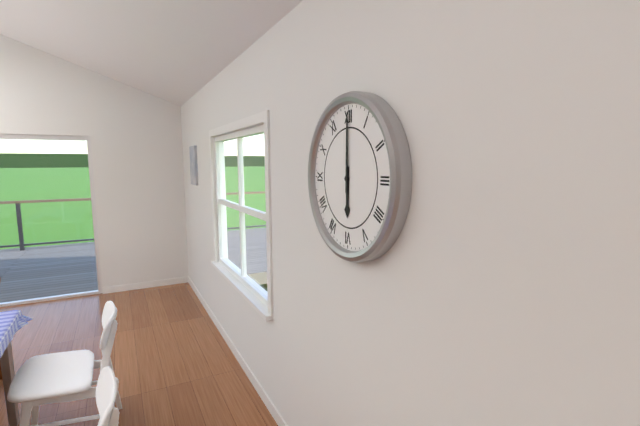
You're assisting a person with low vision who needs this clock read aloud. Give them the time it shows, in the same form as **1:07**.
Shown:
**6:00**
